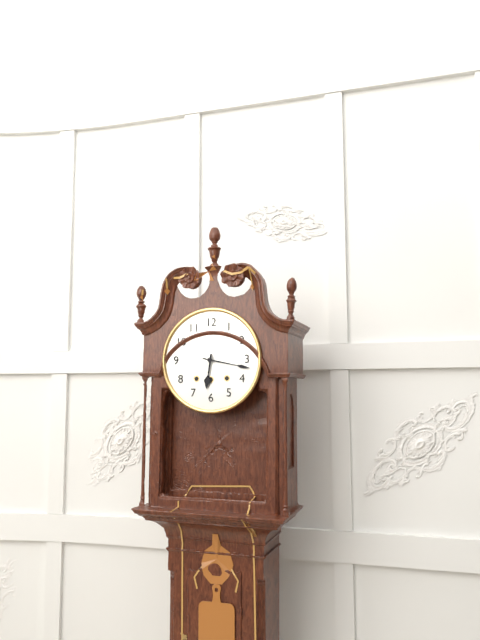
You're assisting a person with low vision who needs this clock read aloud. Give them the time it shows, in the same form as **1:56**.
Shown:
**6:17**
